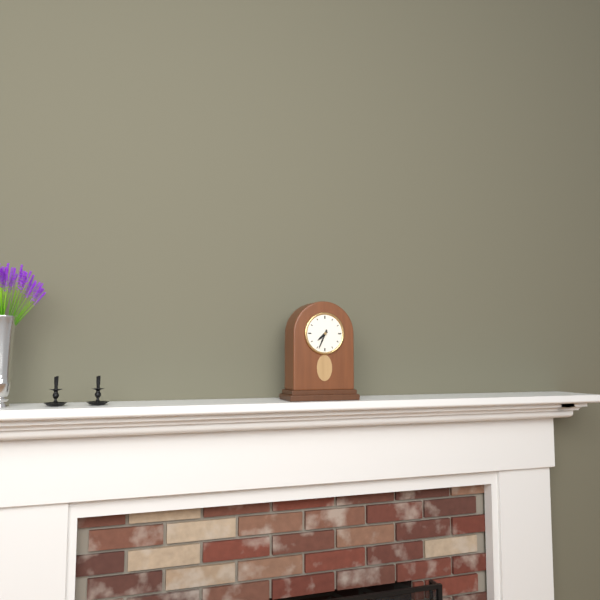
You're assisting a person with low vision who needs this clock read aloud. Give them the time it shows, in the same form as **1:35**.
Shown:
**7:34**
